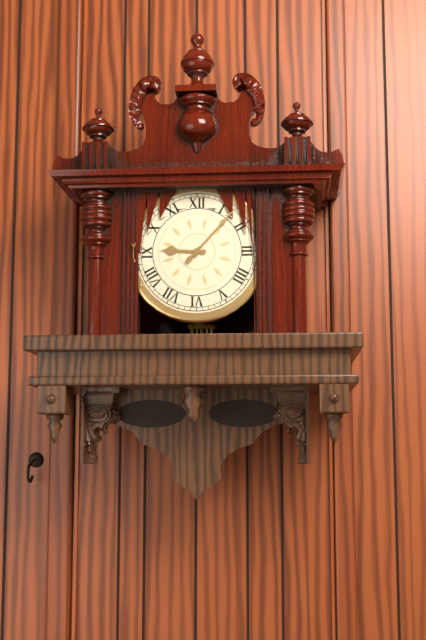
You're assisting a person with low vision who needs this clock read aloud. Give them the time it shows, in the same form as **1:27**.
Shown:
**9:07**
